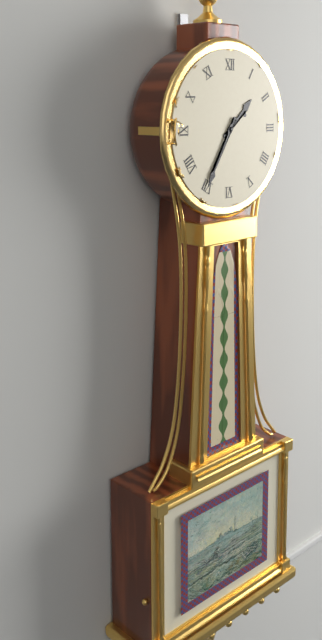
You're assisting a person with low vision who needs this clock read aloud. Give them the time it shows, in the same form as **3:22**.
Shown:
**1:35**
